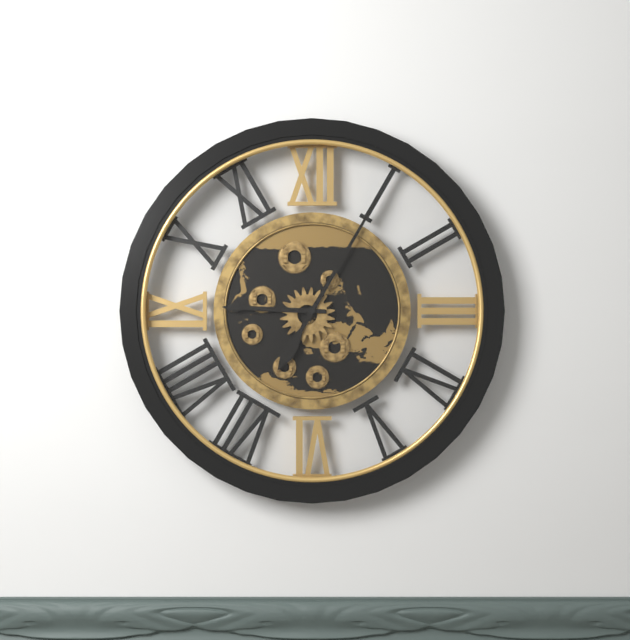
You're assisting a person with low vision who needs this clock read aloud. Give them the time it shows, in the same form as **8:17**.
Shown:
**9:05**
